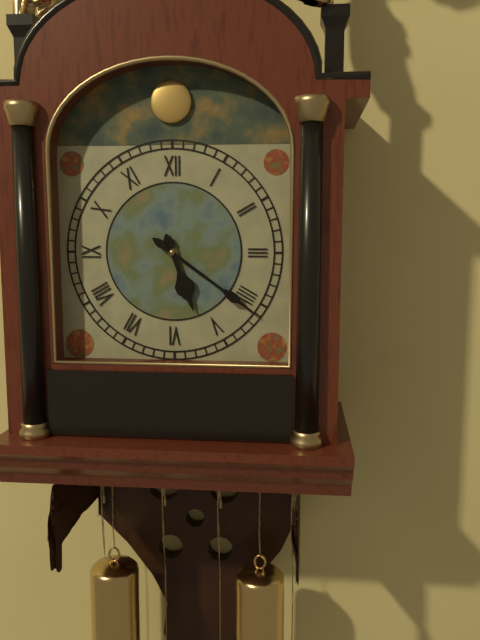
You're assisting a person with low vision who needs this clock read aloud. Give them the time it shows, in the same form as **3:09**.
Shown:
**5:21**
